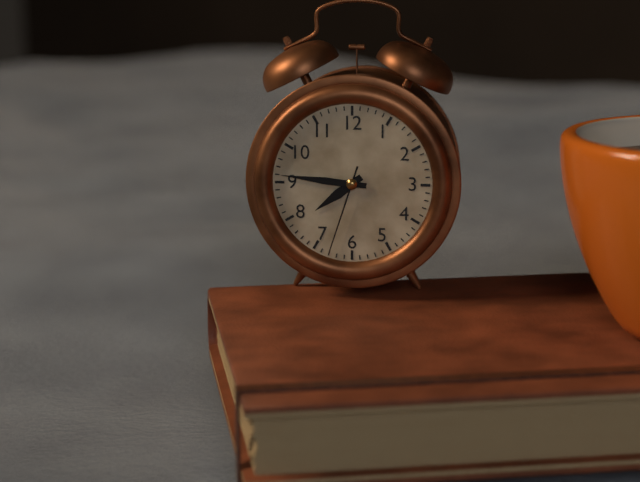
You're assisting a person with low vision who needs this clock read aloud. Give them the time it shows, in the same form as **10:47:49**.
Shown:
**7:46:33**
